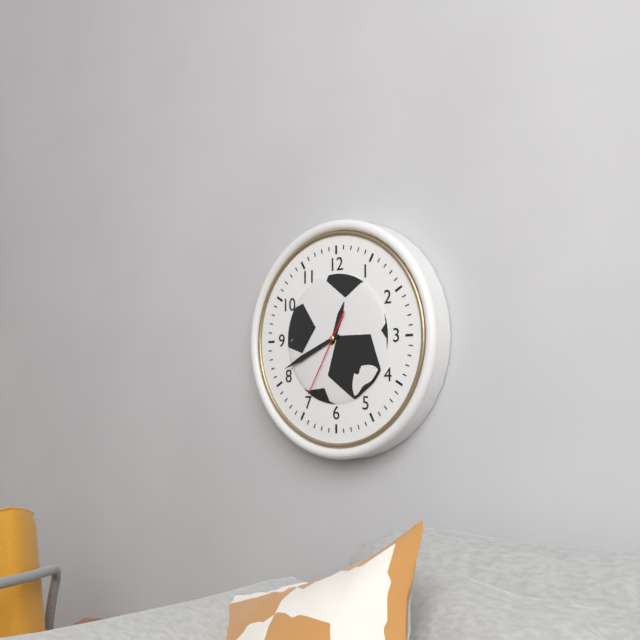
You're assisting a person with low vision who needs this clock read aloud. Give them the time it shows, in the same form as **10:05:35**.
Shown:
**12:41:35**
